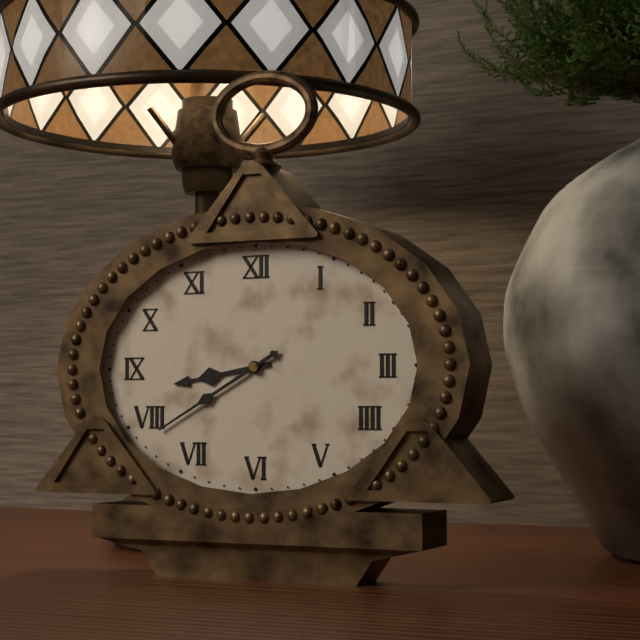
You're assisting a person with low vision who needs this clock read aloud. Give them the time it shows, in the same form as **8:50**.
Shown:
**8:40**
